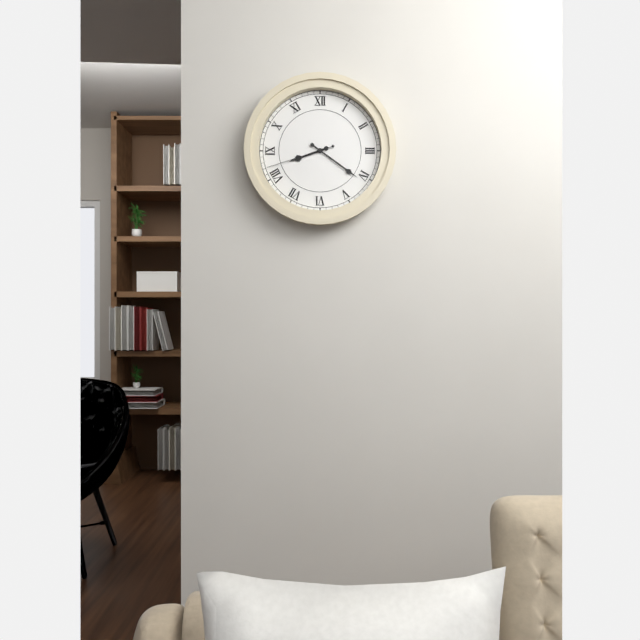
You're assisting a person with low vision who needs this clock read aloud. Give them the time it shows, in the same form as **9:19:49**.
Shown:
**8:21:42**
